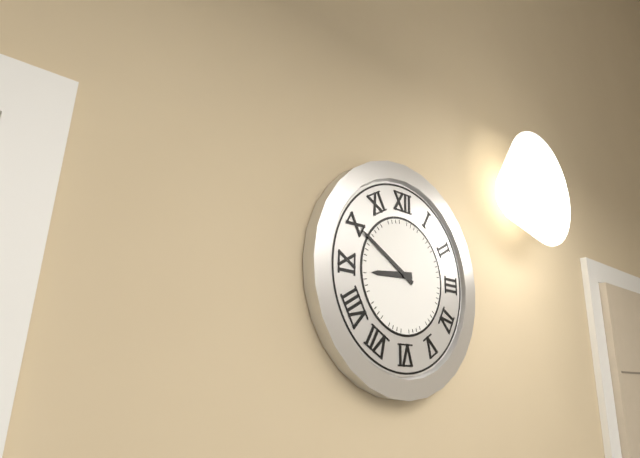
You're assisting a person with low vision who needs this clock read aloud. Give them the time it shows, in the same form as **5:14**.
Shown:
**8:50**
